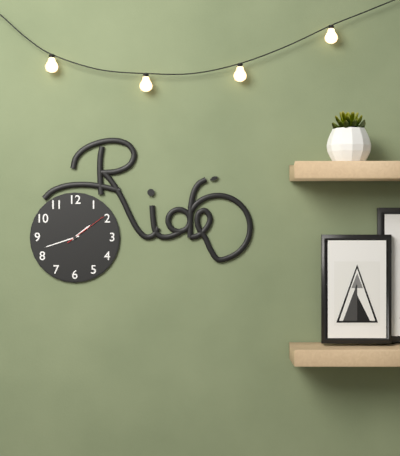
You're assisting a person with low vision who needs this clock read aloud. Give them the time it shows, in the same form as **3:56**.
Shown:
**1:42**
